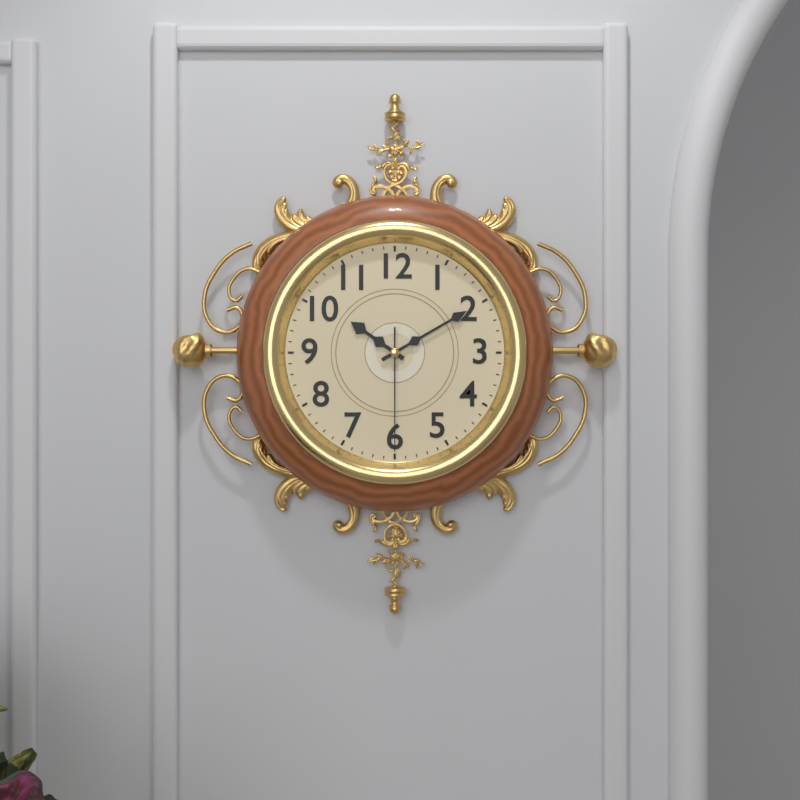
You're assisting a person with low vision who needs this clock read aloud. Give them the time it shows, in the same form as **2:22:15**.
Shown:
**10:10:30**
